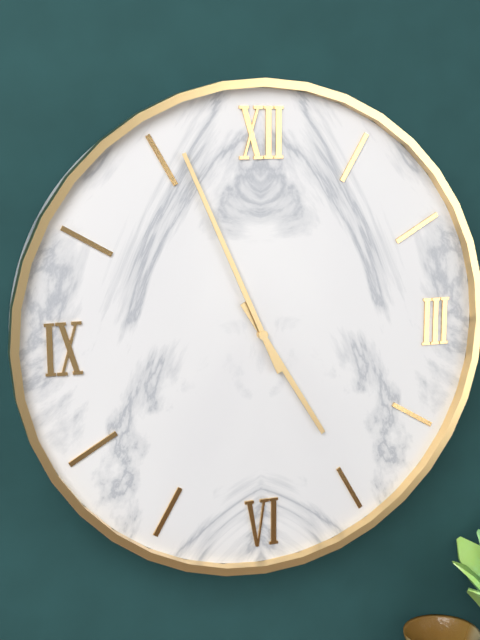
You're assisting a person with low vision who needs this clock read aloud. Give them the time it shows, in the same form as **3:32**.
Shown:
**4:56**
